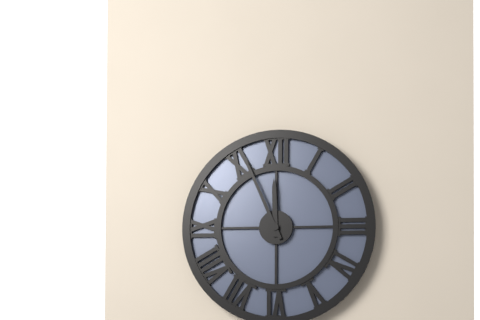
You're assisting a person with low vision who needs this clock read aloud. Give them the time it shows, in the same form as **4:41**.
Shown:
**11:56**
